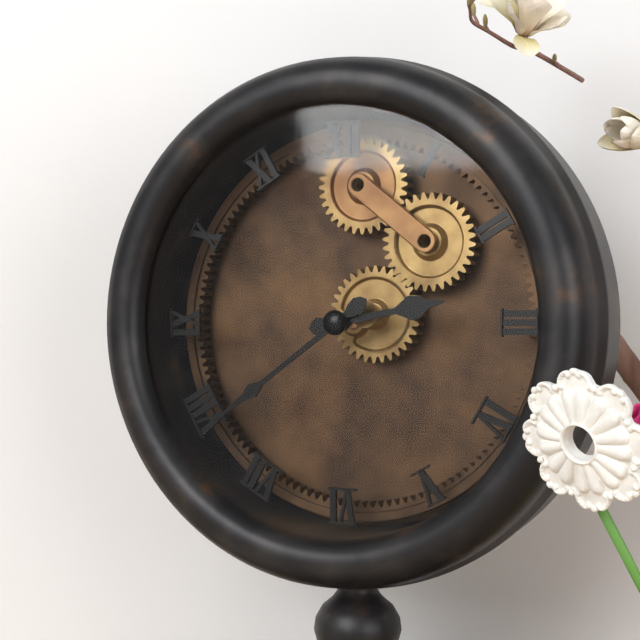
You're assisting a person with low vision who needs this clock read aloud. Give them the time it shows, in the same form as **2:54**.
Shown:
**2:39**
